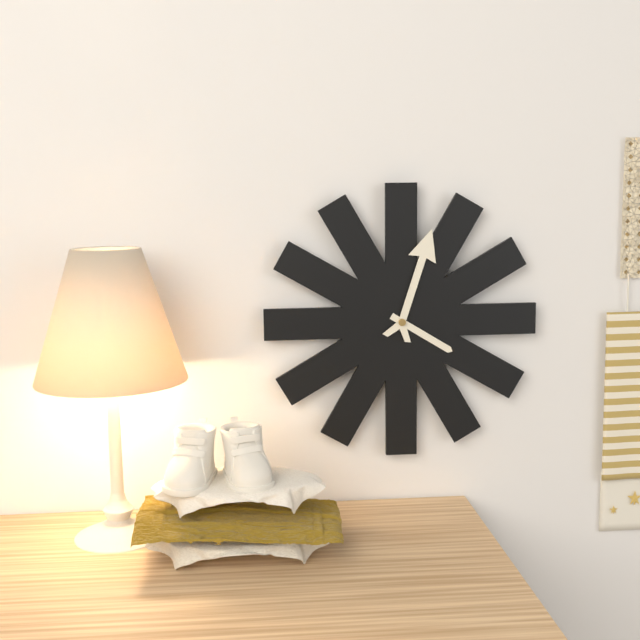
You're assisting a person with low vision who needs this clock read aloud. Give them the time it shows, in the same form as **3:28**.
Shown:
**4:03**
